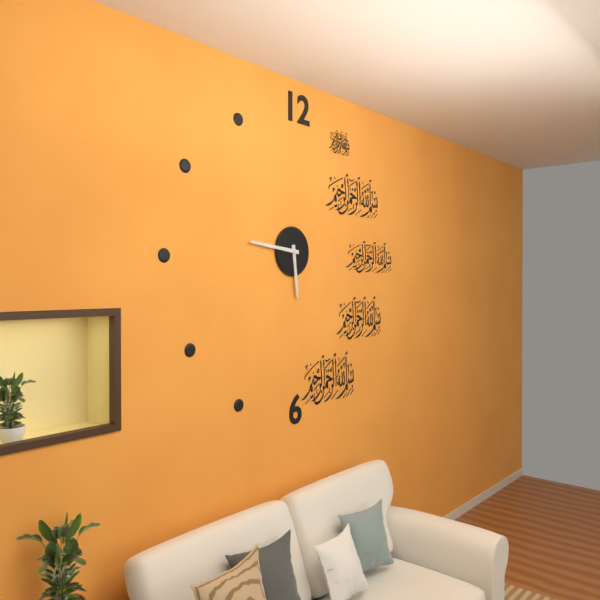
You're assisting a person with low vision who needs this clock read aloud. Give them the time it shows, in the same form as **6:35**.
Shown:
**5:46**
